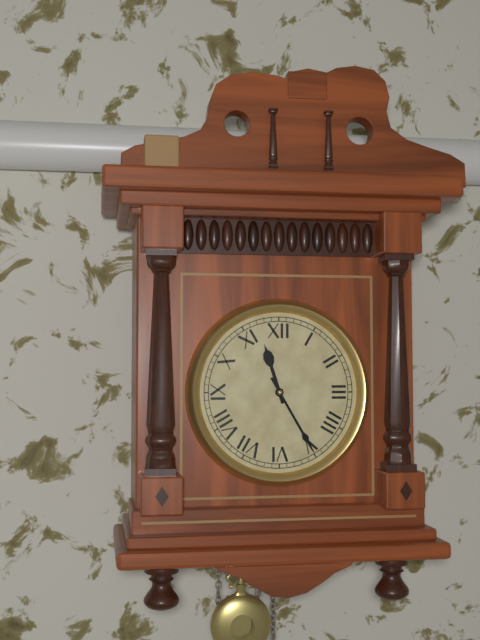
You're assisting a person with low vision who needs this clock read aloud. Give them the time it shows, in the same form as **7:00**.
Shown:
**11:25**
